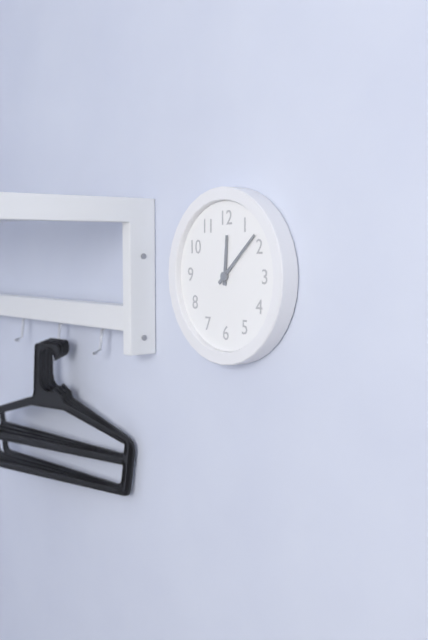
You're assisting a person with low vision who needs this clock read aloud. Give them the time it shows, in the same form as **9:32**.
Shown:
**12:08**
